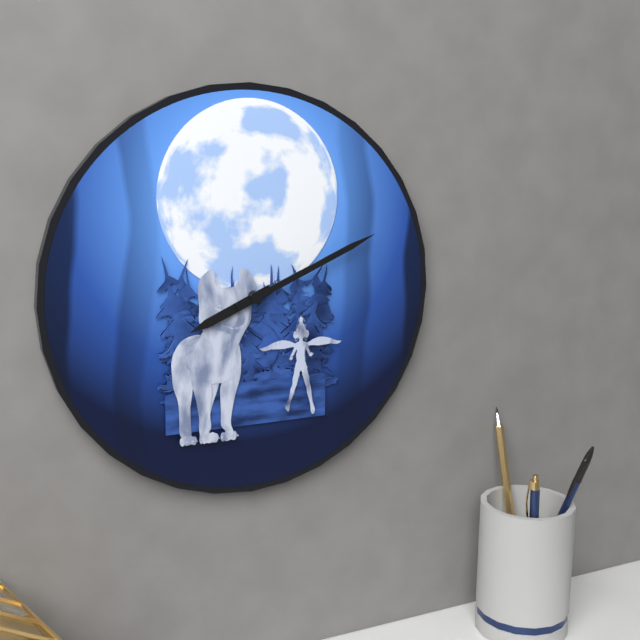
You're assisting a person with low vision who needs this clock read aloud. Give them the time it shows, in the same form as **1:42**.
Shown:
**8:11**
